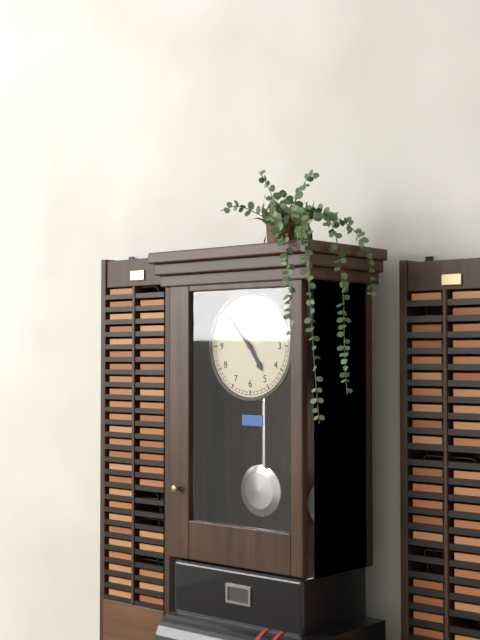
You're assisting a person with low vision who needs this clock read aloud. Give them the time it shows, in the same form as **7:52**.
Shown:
**4:53**
